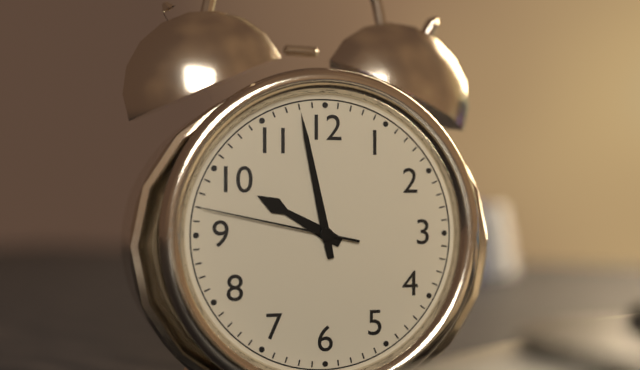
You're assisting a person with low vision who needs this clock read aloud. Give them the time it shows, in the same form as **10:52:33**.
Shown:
**9:58:47**
